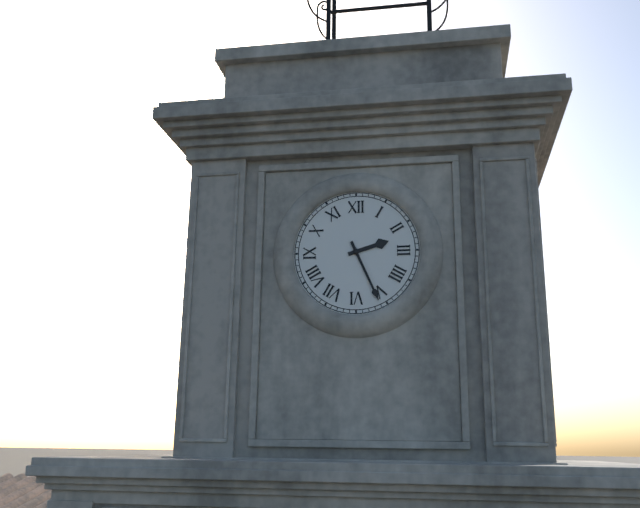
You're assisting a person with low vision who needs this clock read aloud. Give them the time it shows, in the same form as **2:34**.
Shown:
**2:26**
